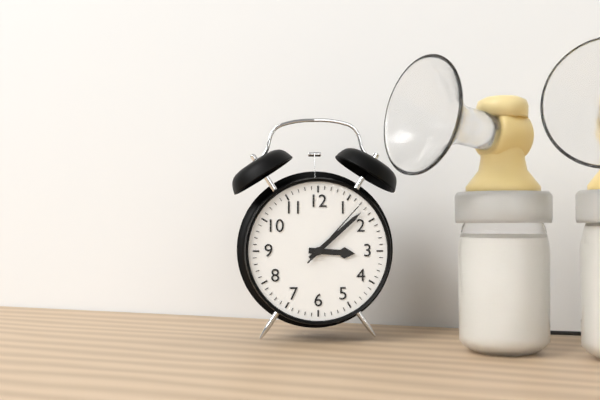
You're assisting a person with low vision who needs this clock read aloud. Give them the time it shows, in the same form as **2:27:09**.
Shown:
**3:08:07**
